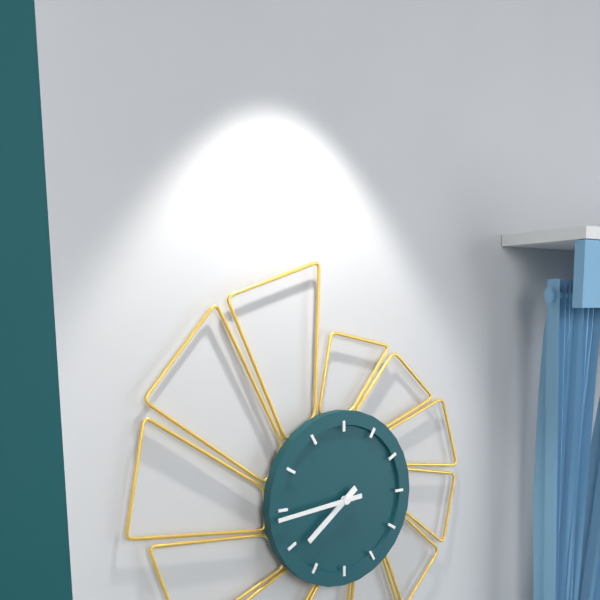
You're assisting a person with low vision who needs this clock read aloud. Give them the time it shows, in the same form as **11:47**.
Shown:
**7:44**
